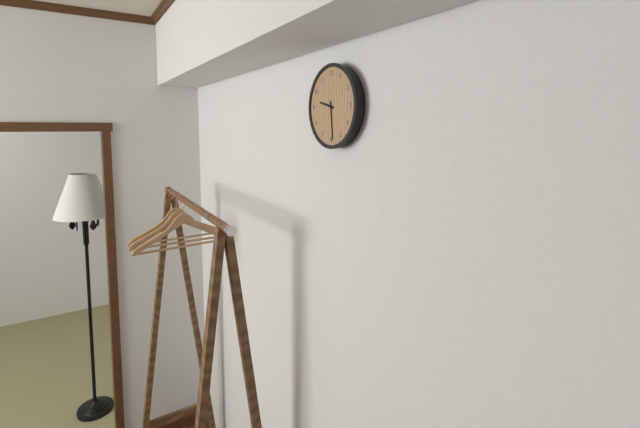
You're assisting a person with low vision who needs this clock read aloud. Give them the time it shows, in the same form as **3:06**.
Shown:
**9:29**
